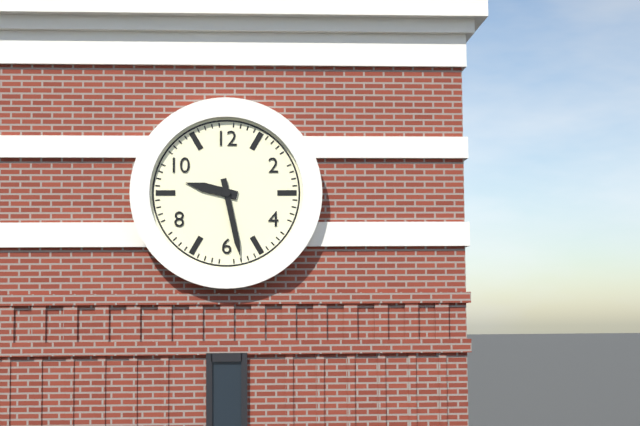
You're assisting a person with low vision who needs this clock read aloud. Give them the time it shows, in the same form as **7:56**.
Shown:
**9:28**
